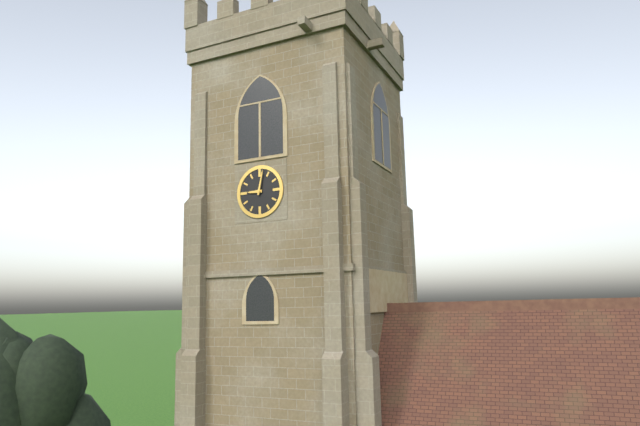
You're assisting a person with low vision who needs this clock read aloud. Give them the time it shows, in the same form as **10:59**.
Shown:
**9:02**
